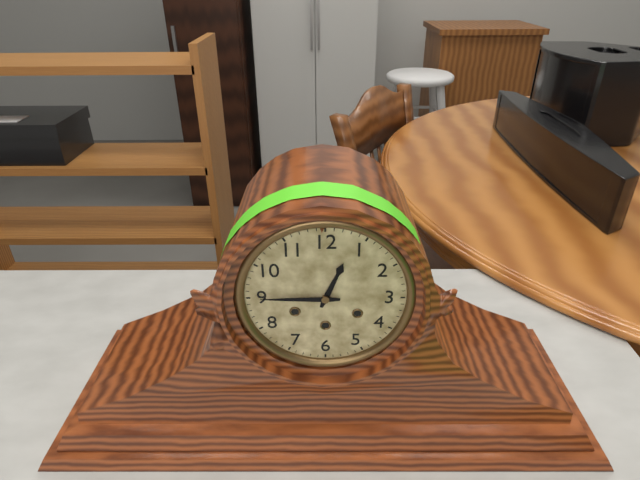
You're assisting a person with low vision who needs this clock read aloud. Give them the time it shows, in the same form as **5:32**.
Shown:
**12:45**
